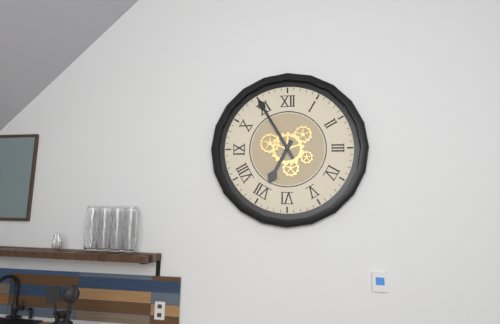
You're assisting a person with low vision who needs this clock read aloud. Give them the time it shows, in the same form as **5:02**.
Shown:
**6:55**
